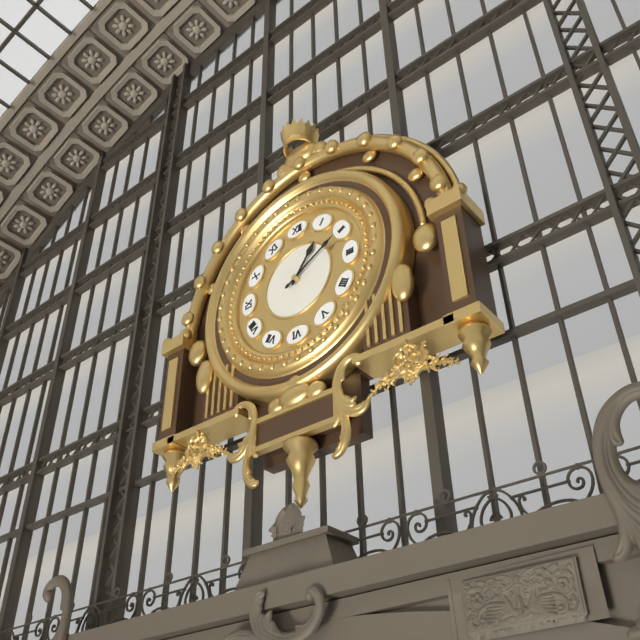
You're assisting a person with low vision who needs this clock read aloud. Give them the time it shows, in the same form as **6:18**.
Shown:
**1:10**
